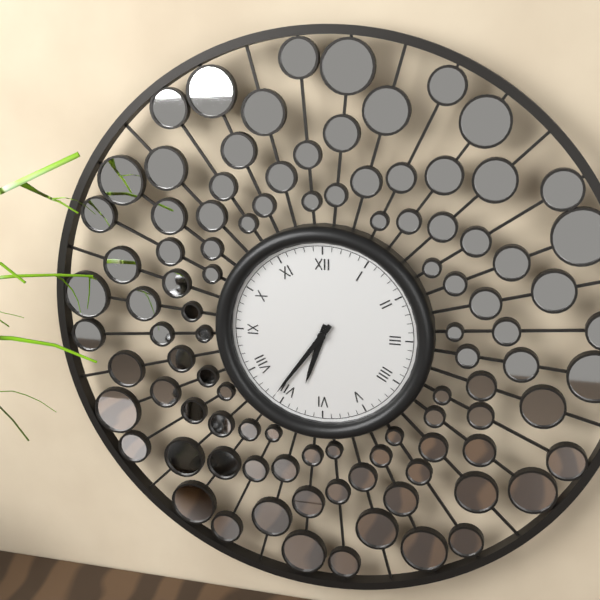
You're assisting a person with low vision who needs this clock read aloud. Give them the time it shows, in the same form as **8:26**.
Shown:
**6:36**
